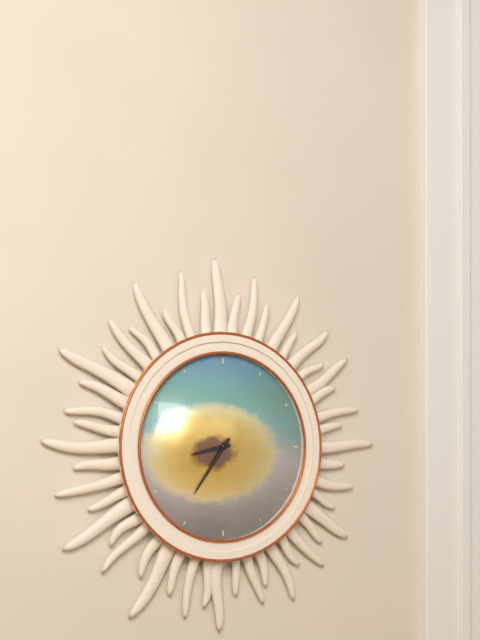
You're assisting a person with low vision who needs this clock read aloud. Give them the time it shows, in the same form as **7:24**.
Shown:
**8:36**
